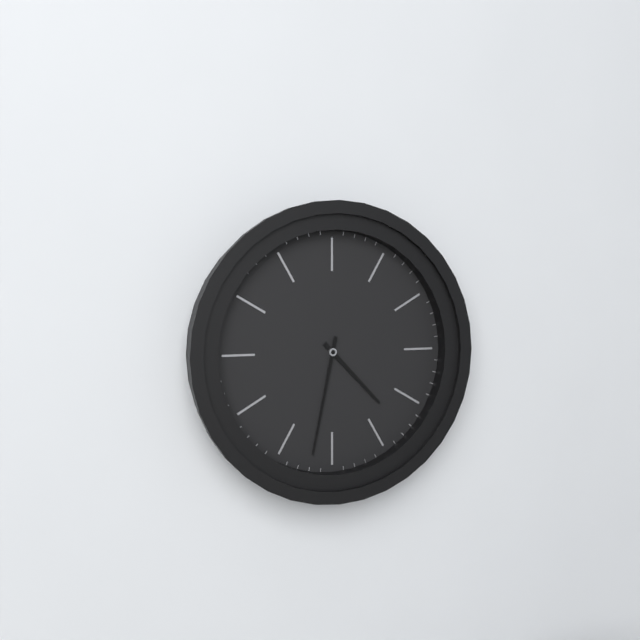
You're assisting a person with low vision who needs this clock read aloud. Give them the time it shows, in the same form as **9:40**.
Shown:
**4:32**
